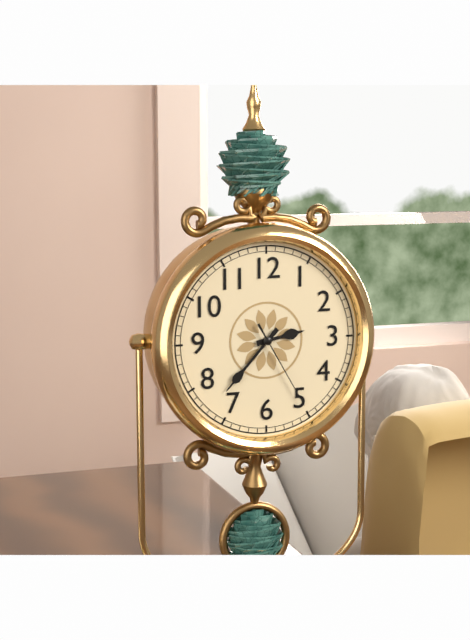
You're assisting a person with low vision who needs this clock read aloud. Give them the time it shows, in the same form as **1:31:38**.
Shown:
**2:37:25**
